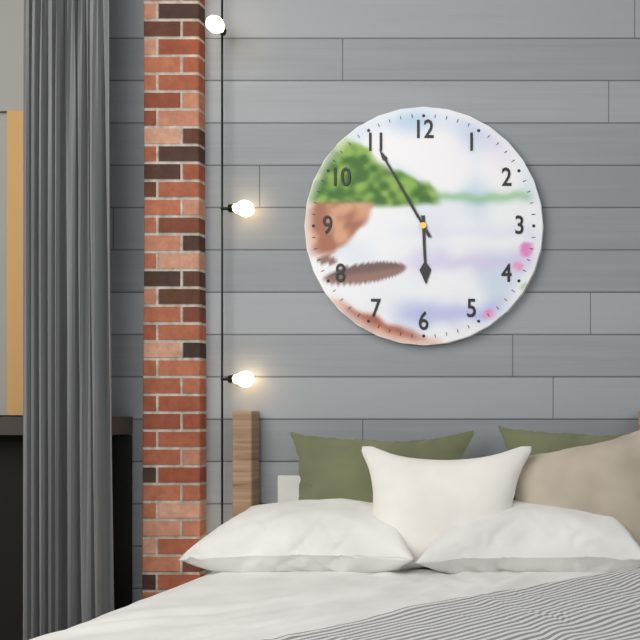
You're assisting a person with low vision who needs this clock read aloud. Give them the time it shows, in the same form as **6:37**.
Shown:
**5:55**
